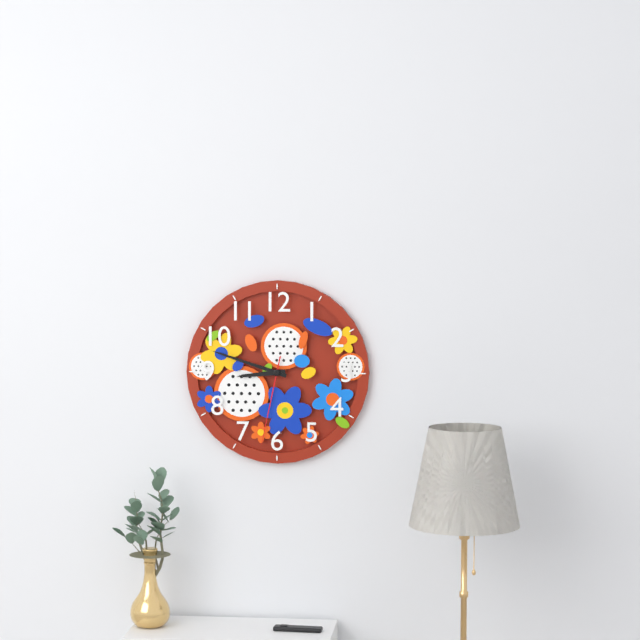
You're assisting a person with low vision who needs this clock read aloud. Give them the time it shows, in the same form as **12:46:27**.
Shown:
**8:48:32**
